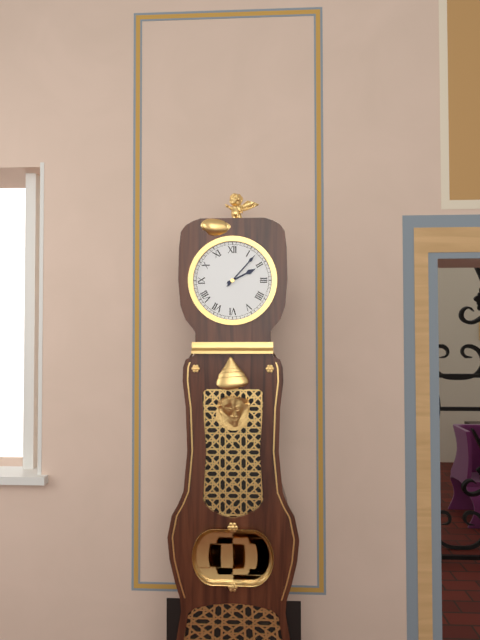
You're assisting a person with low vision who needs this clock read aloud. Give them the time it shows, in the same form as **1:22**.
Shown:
**2:07**
